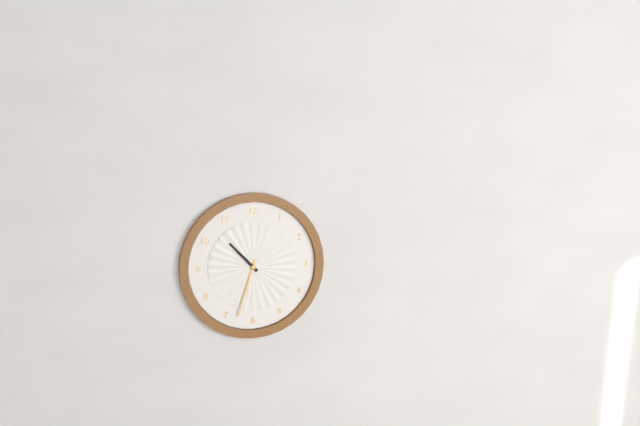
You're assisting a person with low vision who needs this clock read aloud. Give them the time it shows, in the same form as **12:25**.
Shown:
**10:33**
